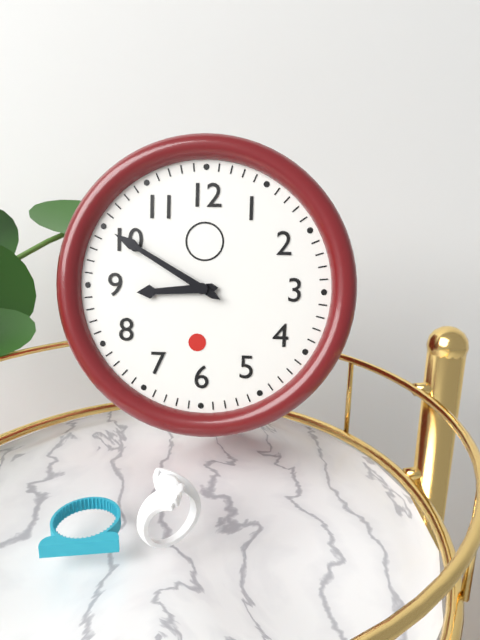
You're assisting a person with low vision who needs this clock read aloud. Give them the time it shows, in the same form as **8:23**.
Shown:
**8:50**
